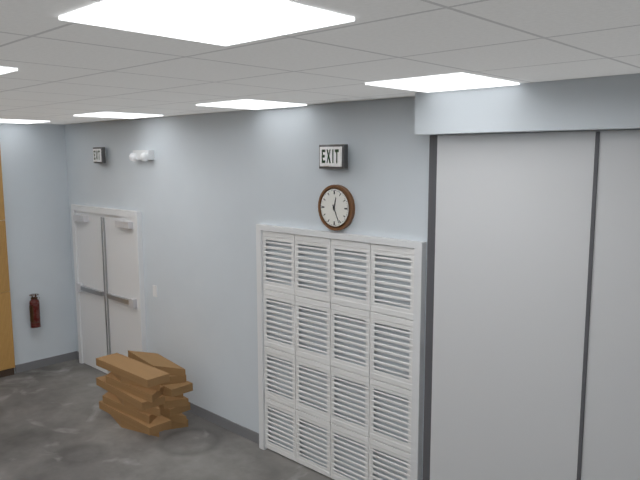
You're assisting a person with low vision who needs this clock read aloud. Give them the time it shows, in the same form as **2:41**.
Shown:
**12:26**
